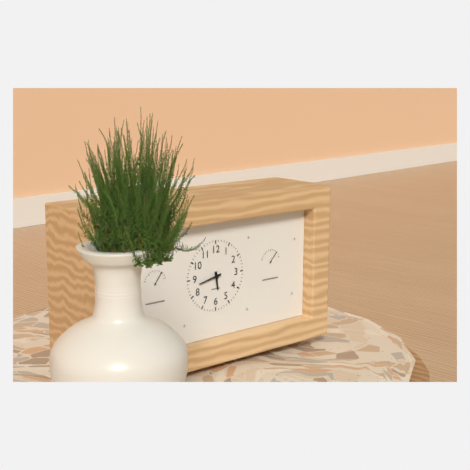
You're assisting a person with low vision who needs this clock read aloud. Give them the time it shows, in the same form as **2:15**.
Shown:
**5:43**
